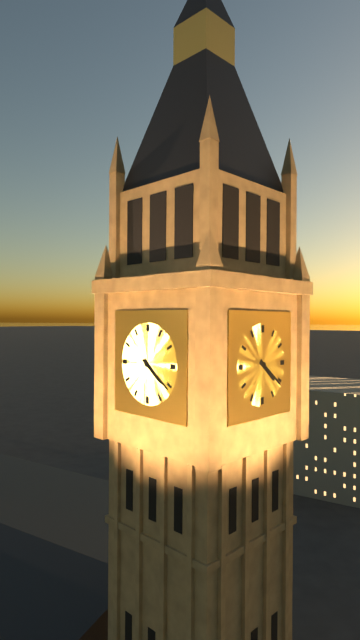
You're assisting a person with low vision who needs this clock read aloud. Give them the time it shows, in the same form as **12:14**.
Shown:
**4:21**
